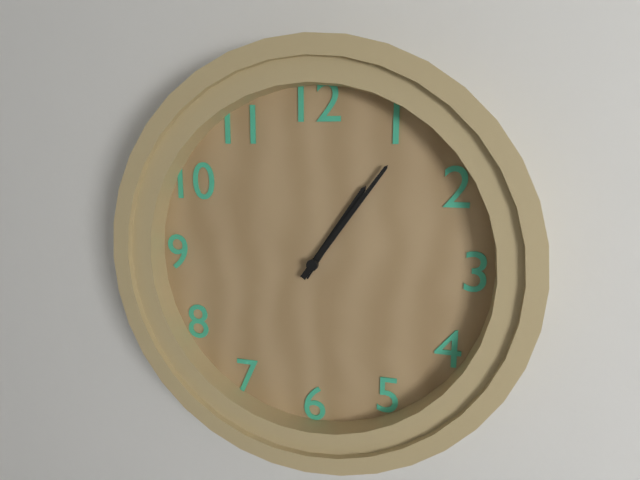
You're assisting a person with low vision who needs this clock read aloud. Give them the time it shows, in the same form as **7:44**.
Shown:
**1:06**
